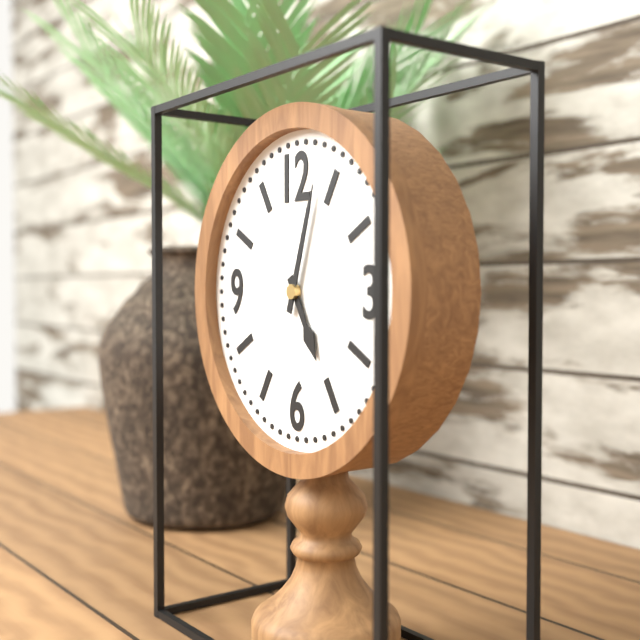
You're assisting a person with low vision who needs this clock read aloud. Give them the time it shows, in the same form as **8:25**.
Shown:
**5:03**
